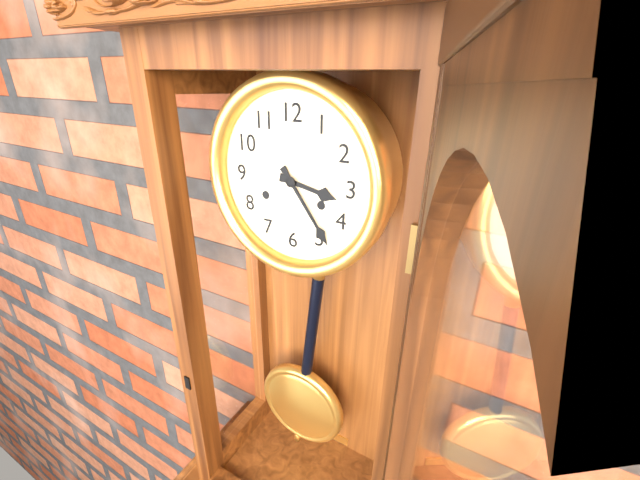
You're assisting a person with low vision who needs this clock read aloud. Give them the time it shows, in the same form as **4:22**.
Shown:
**3:24**
